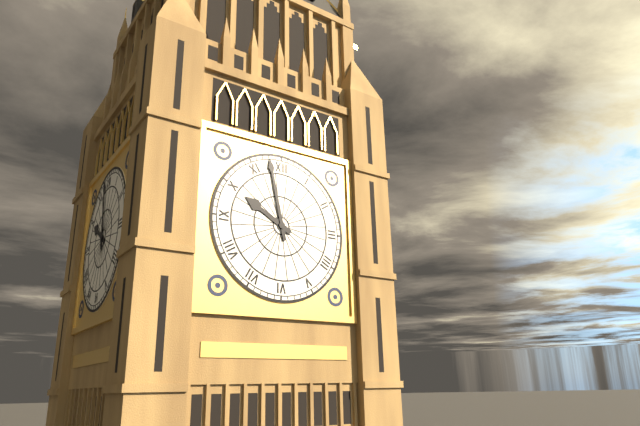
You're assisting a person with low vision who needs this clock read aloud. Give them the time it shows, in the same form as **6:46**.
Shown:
**9:58**
